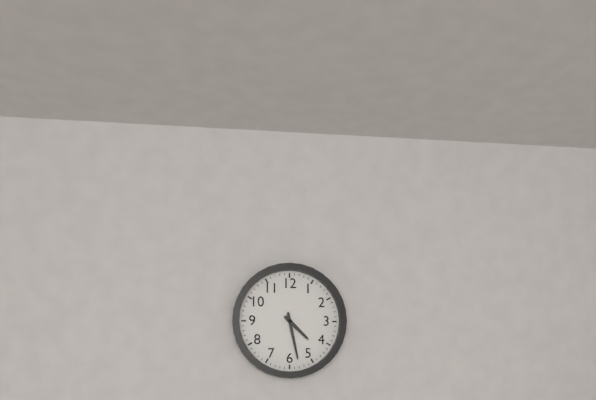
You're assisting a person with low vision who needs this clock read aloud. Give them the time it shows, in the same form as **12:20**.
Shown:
**4:28**
